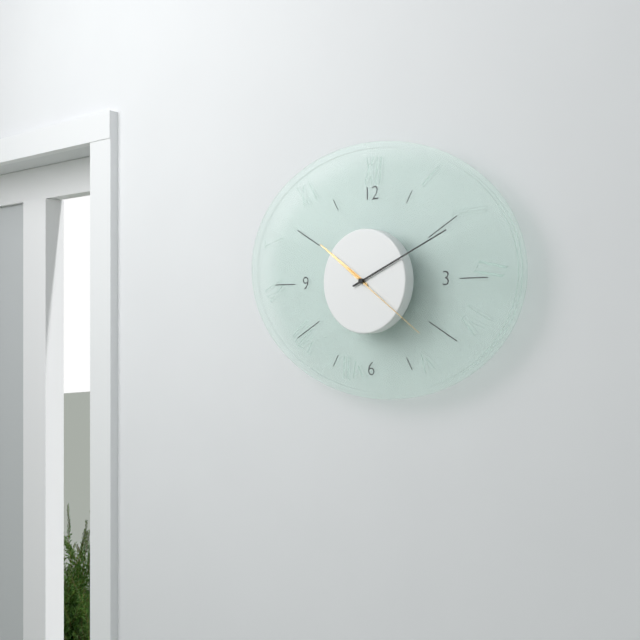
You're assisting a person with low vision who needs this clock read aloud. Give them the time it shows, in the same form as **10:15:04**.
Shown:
**10:11:21**
